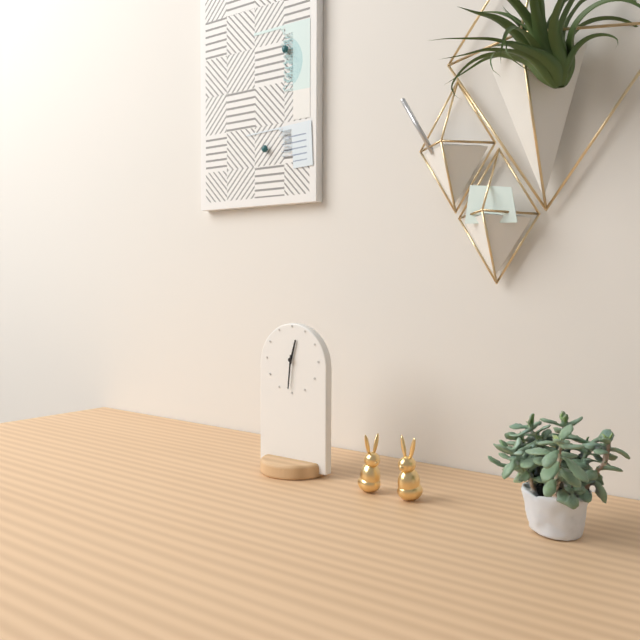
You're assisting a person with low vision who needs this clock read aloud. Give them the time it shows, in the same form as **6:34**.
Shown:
**12:31**
